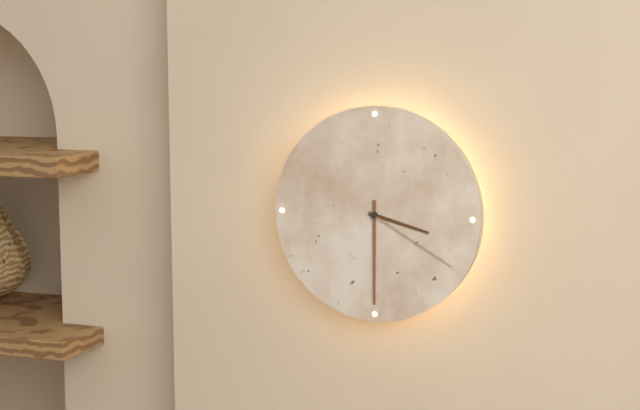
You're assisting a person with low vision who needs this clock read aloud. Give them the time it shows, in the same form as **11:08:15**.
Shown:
**3:30:20**
